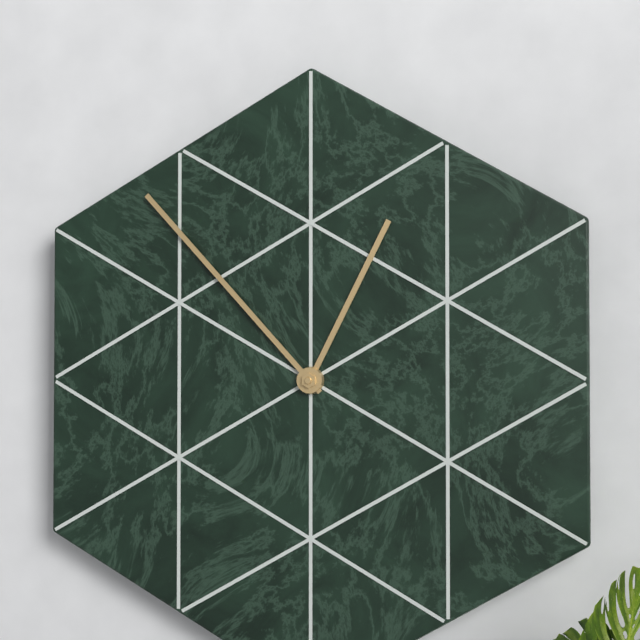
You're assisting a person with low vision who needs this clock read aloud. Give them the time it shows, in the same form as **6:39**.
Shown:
**12:53**
